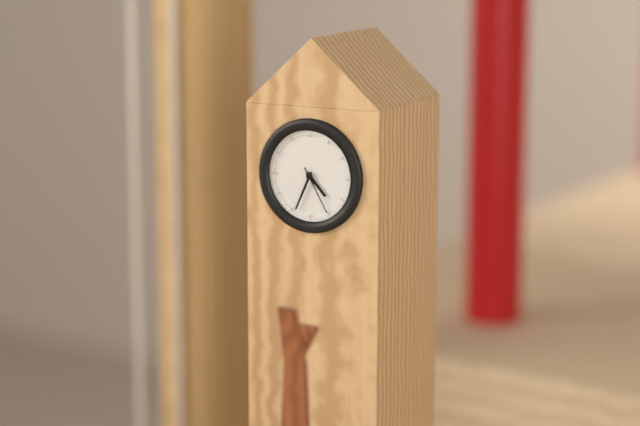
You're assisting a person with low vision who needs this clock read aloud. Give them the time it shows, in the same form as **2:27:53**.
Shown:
**4:34:25**
